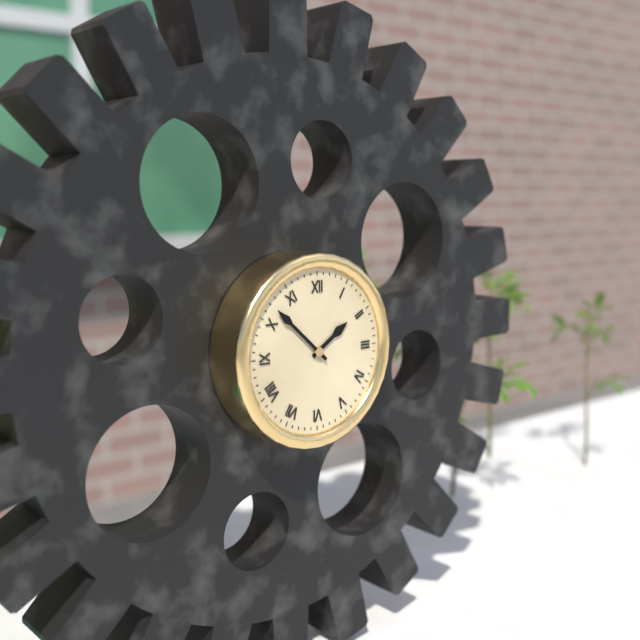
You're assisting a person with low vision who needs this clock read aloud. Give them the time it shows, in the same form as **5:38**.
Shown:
**1:52**
